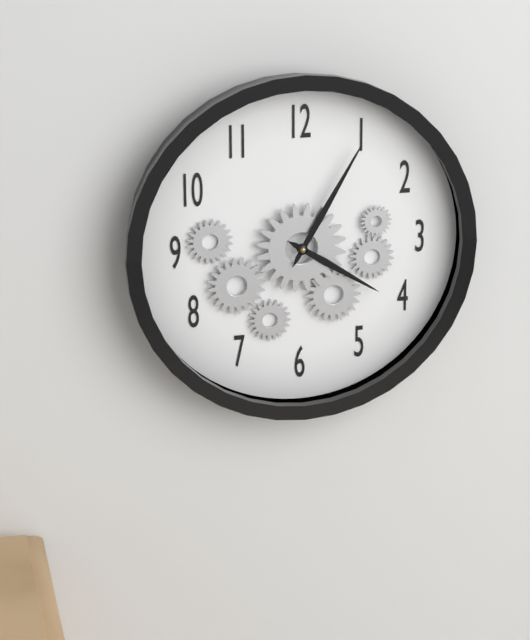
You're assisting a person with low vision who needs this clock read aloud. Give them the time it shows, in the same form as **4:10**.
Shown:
**4:05**
